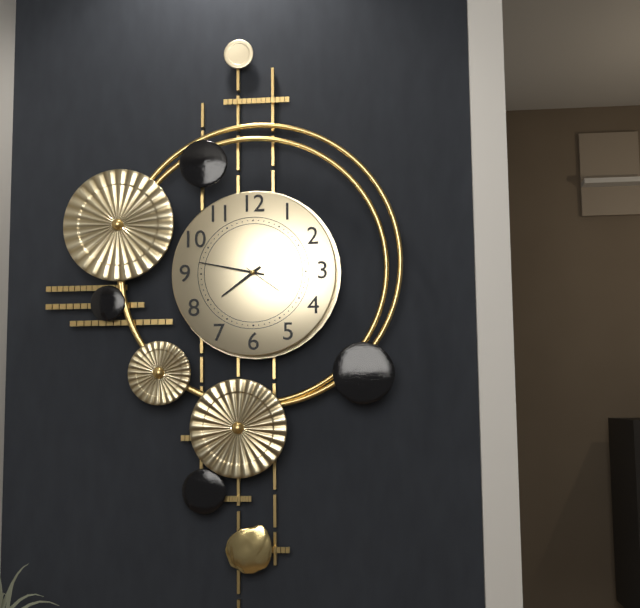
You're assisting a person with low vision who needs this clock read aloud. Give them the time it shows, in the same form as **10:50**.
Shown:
**7:47**
